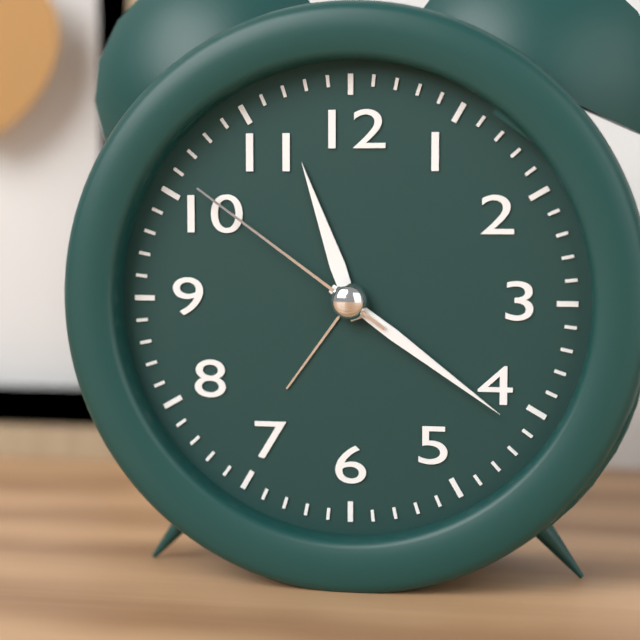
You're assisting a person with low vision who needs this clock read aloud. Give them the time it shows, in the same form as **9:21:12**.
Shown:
**11:21:51**
